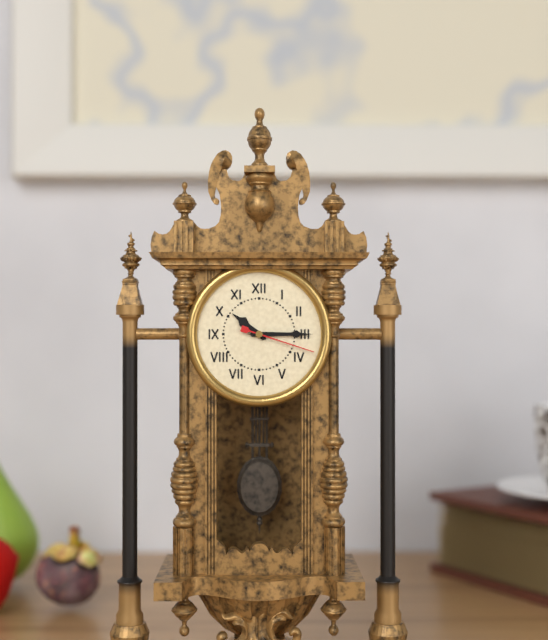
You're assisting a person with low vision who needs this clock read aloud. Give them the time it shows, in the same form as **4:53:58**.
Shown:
**10:15:18**
